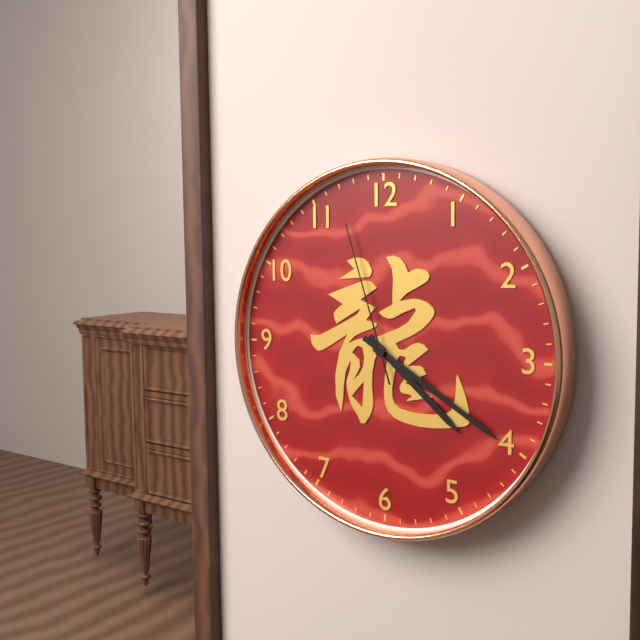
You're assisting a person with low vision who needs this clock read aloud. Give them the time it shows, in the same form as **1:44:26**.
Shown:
**4:20:57**
